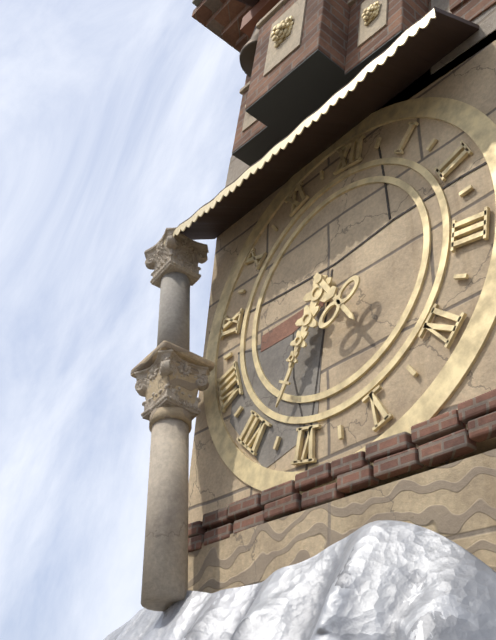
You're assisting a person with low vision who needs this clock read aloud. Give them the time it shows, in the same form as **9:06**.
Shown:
**4:33**
